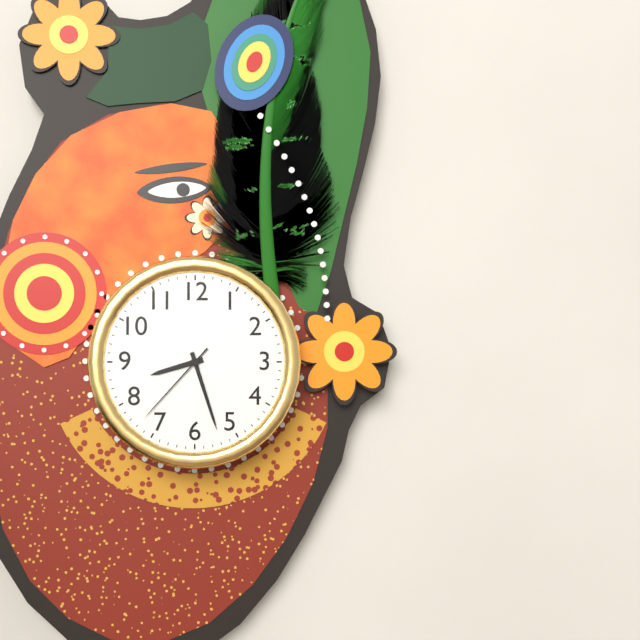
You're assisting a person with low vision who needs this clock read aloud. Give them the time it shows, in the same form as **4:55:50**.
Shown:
**8:27:37**
